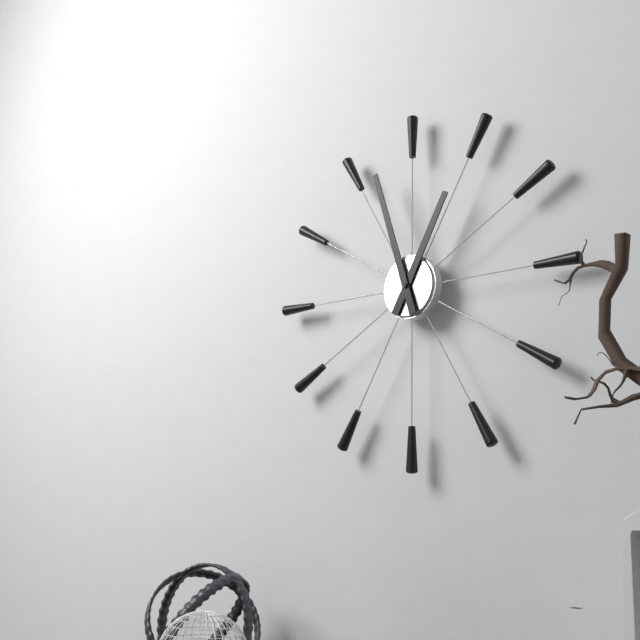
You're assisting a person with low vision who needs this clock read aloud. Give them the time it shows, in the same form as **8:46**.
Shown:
**12:57**
